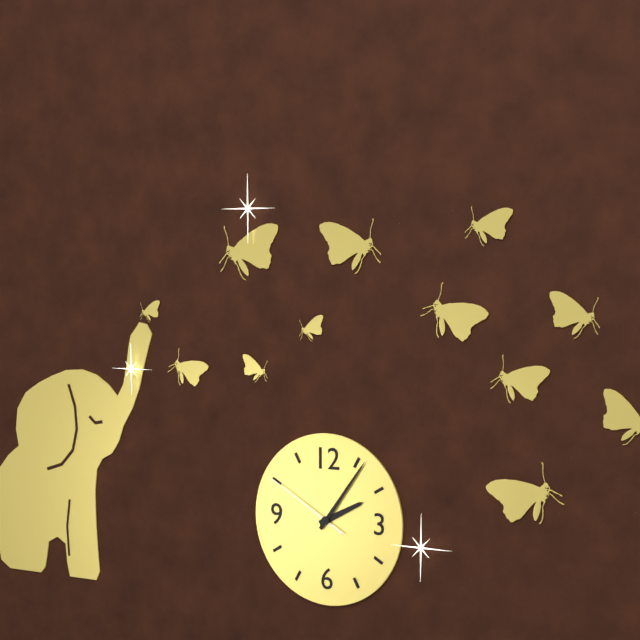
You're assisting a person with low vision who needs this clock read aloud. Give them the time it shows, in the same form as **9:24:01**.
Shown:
**2:06:50**
